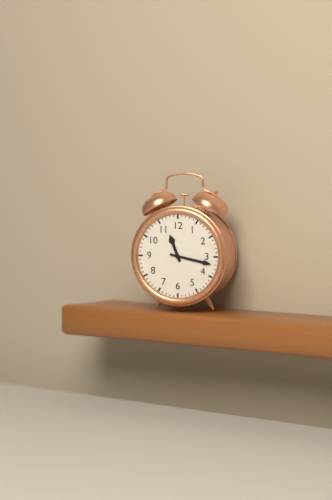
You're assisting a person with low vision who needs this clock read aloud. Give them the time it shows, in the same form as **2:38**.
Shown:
**11:17**
